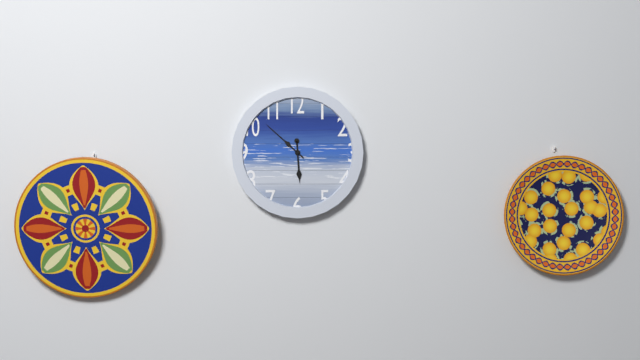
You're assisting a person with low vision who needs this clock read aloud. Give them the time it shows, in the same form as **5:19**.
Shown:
**5:52**
